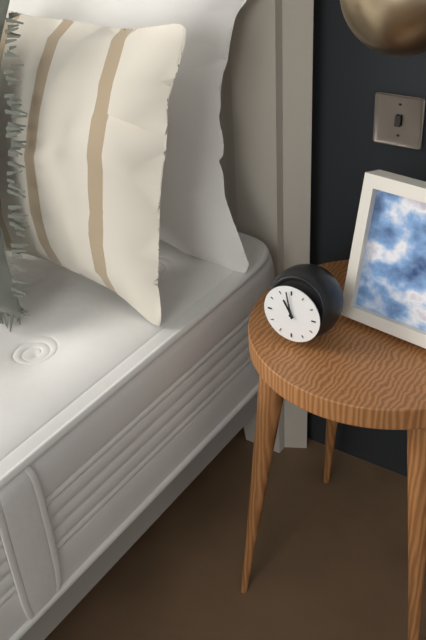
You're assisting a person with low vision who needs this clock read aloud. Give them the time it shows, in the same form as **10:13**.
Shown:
**10:58**
